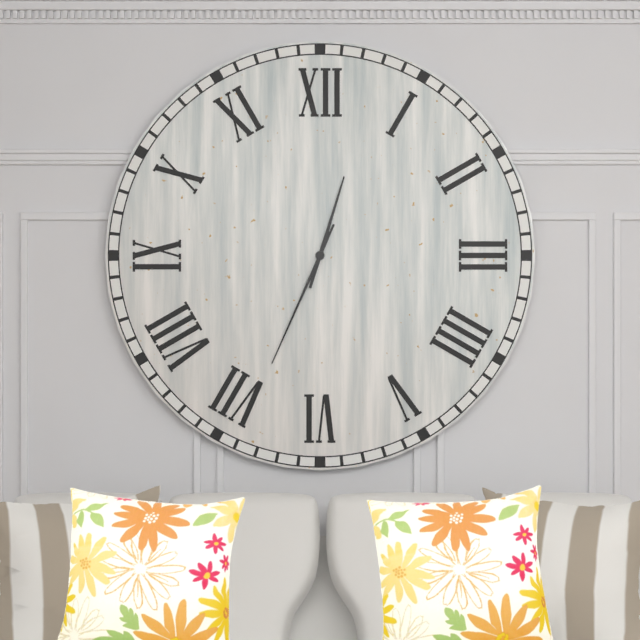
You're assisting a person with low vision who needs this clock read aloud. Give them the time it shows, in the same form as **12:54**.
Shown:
**12:34**
